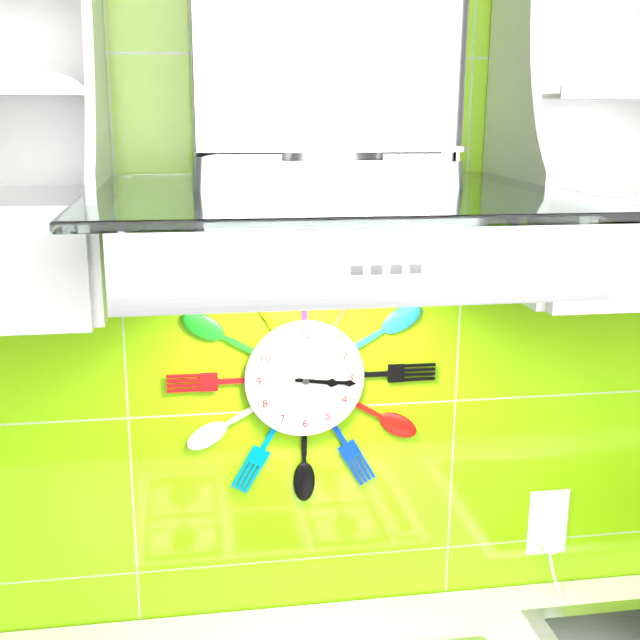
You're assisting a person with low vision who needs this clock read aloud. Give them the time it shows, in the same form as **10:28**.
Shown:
**3:16**
